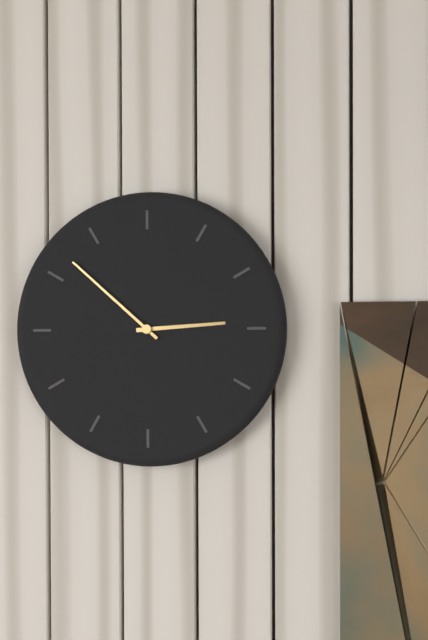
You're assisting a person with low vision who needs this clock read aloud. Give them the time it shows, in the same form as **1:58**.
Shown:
**2:52**
